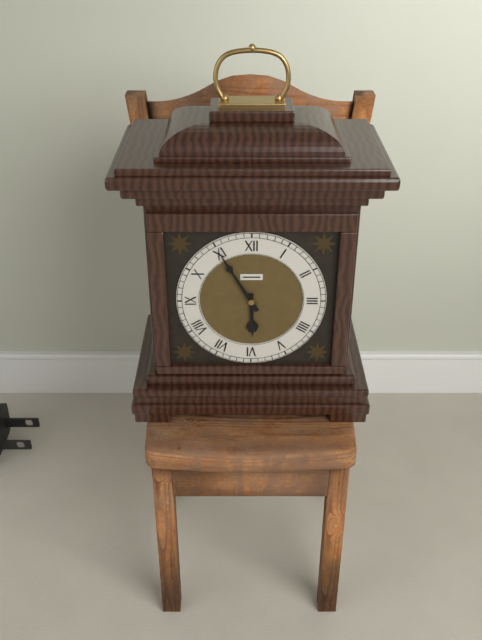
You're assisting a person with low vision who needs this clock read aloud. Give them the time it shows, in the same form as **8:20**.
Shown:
**5:55**
